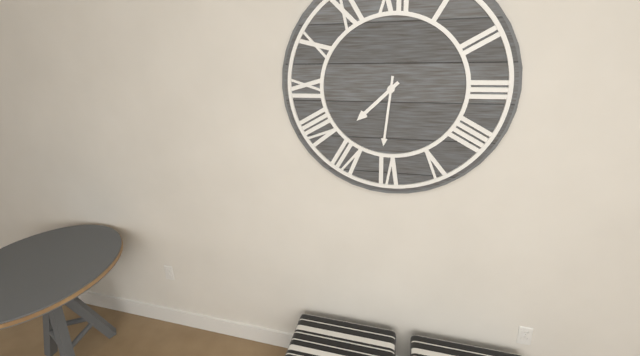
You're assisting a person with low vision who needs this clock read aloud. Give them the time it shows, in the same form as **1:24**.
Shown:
**7:31**
